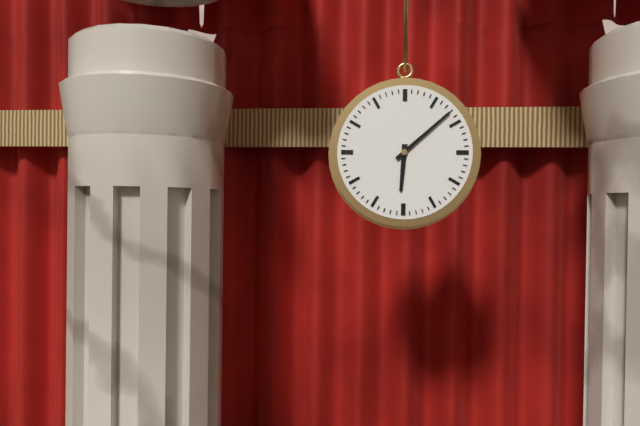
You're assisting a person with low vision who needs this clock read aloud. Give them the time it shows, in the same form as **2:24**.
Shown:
**6:08**
